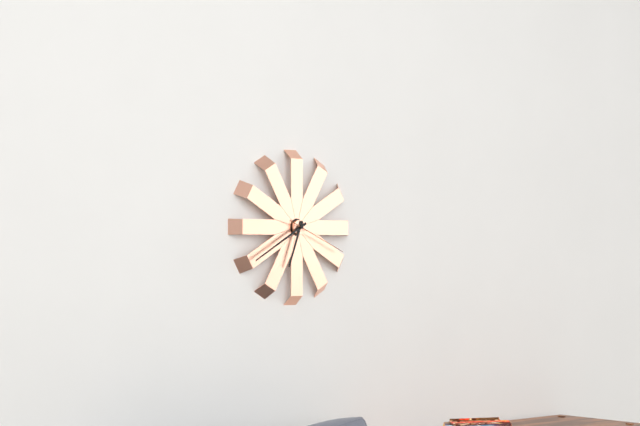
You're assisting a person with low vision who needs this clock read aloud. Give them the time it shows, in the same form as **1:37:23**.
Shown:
**6:40:19**
